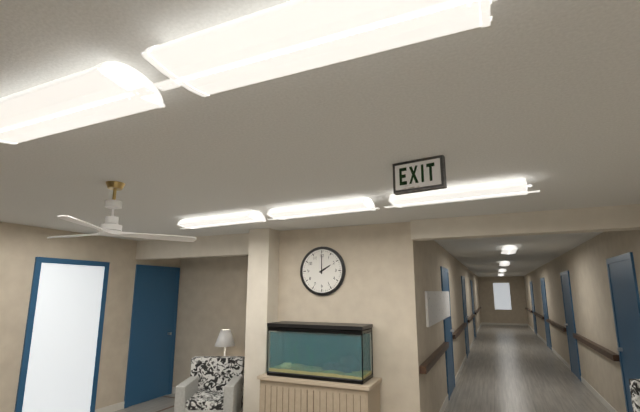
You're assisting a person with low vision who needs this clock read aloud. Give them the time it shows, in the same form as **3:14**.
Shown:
**2:00**
